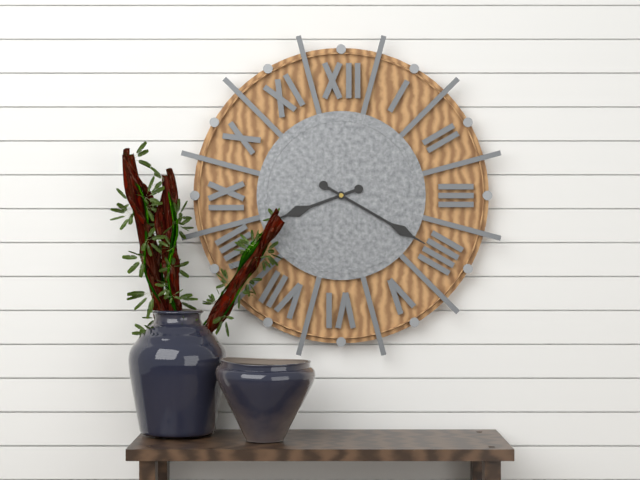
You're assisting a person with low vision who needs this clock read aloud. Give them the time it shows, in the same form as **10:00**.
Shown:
**8:20**
